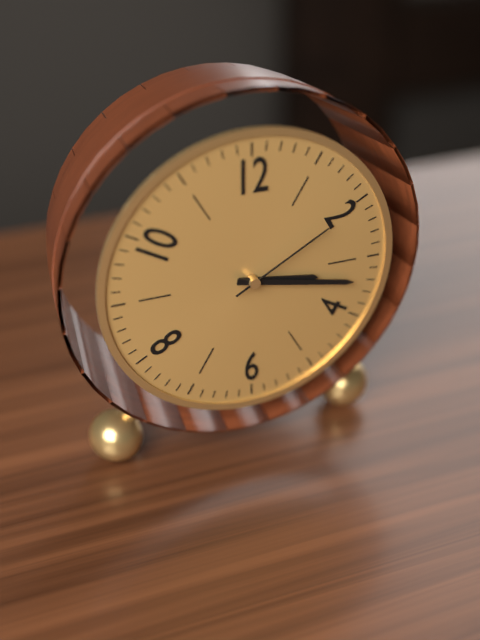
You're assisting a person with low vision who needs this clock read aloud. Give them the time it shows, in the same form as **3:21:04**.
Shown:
**3:17:10**
